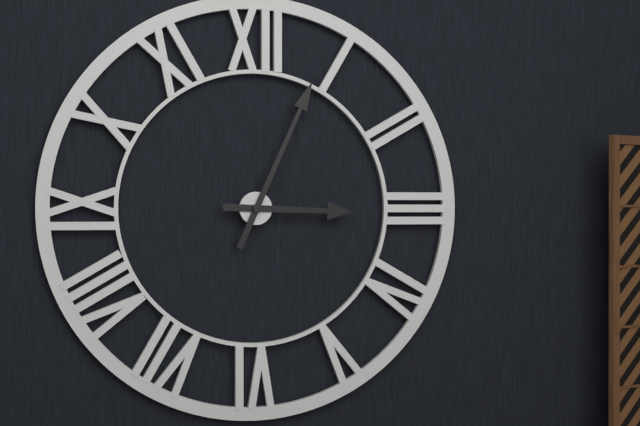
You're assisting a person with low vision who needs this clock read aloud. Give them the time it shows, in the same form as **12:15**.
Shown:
**3:04**
